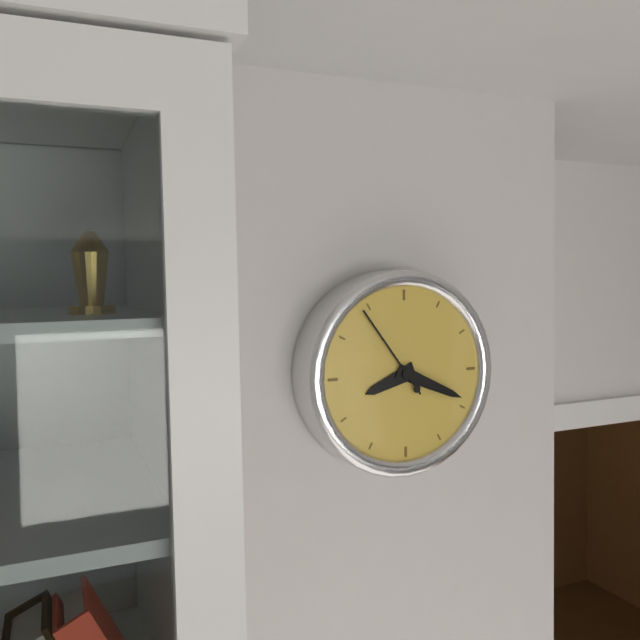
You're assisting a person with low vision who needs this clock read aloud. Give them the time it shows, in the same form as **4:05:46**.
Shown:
**8:19:54**
